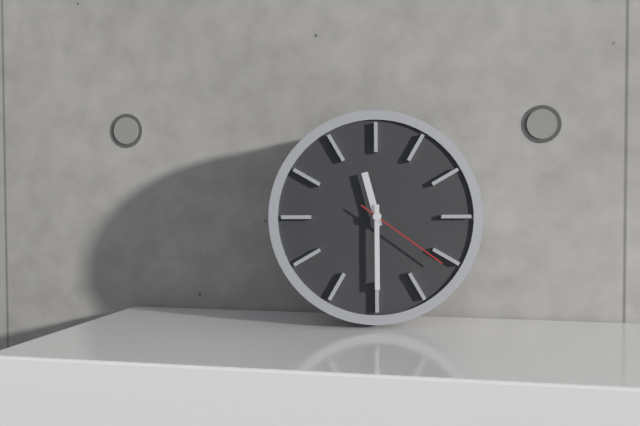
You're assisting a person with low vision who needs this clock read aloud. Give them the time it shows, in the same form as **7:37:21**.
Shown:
**11:30:21**
